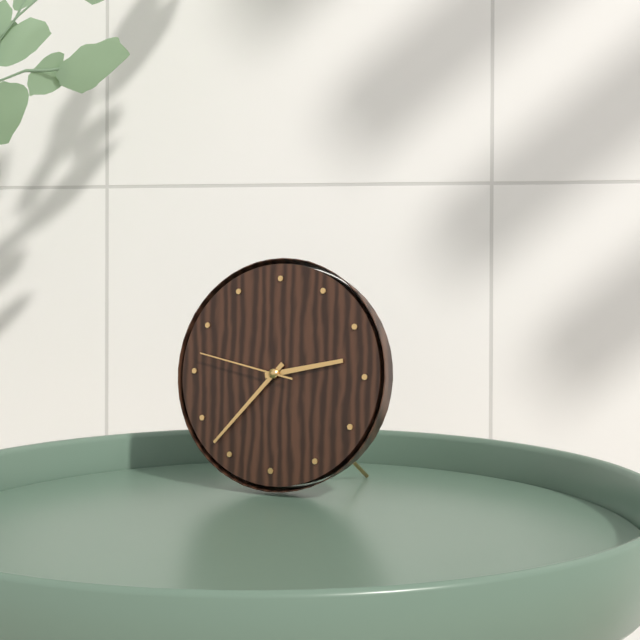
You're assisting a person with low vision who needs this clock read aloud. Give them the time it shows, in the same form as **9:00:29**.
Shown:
**2:37:47**
